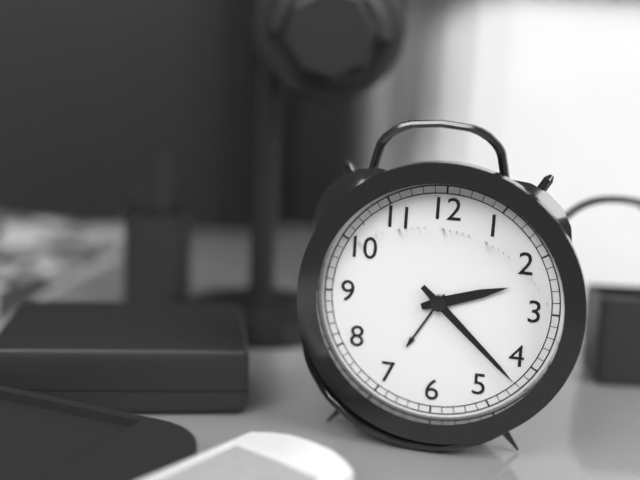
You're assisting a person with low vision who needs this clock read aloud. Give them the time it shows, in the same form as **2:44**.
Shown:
**2:22**
